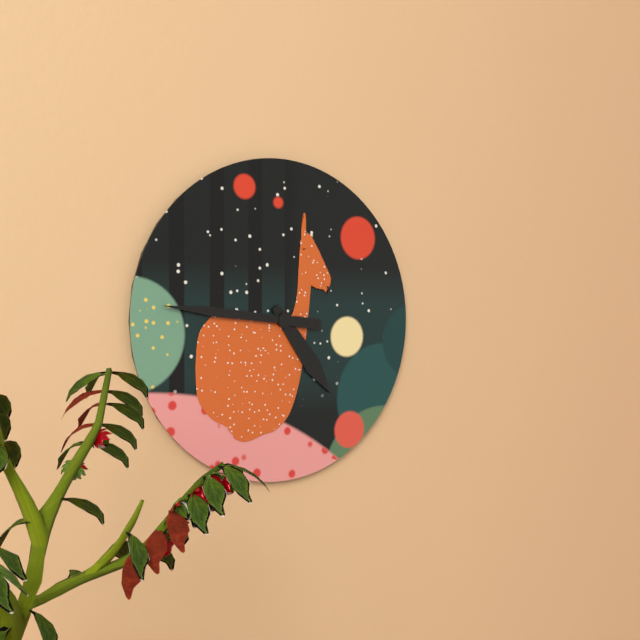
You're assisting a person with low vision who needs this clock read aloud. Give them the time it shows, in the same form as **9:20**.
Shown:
**4:46**
